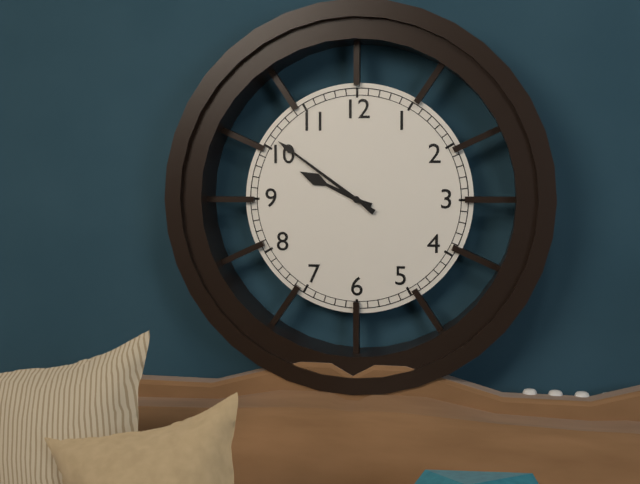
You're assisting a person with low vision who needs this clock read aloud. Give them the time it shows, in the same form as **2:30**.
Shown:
**9:51**
